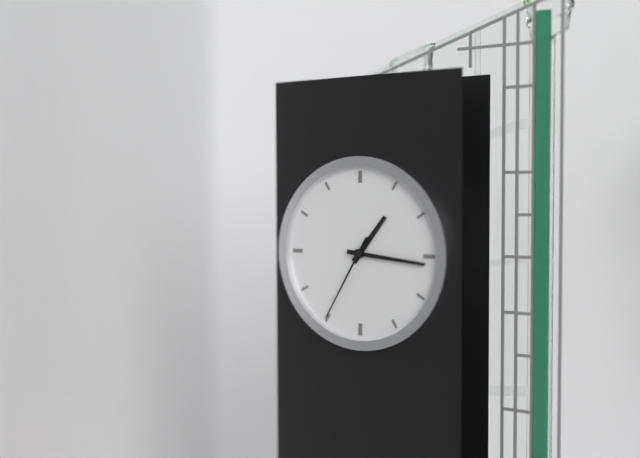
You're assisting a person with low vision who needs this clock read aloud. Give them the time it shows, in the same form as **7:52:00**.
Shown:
**1:16:35**
